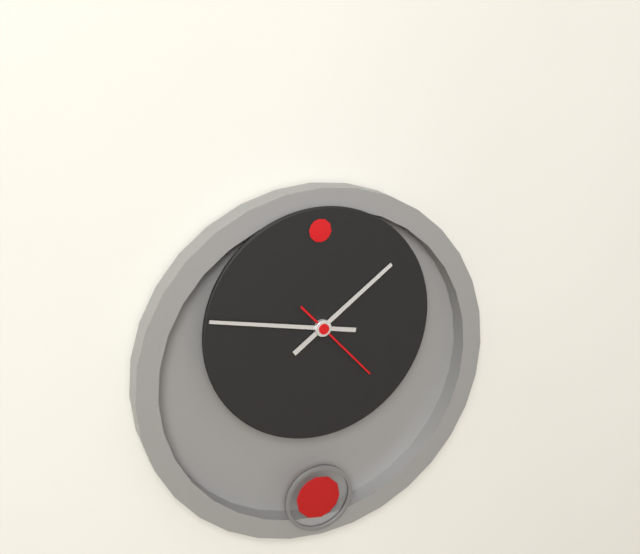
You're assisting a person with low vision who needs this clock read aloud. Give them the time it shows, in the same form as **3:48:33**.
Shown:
**1:47:23**
